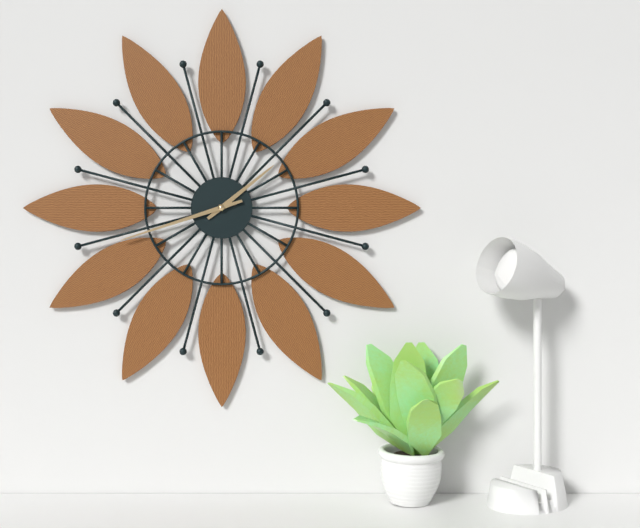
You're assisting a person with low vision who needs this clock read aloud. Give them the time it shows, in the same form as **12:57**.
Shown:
**1:42**
